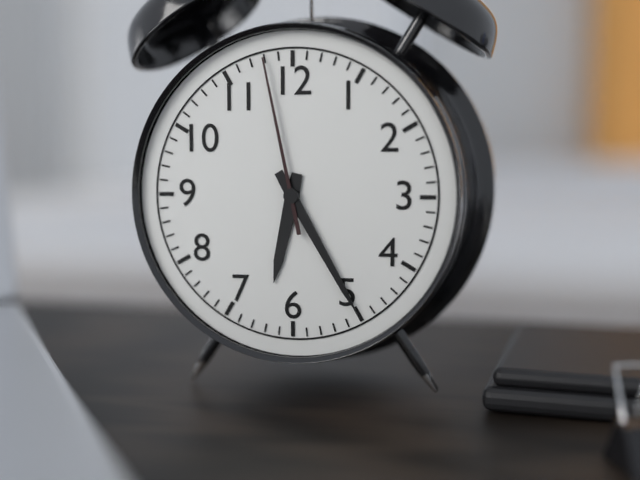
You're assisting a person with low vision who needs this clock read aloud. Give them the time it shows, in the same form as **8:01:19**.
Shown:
**6:25:58**
